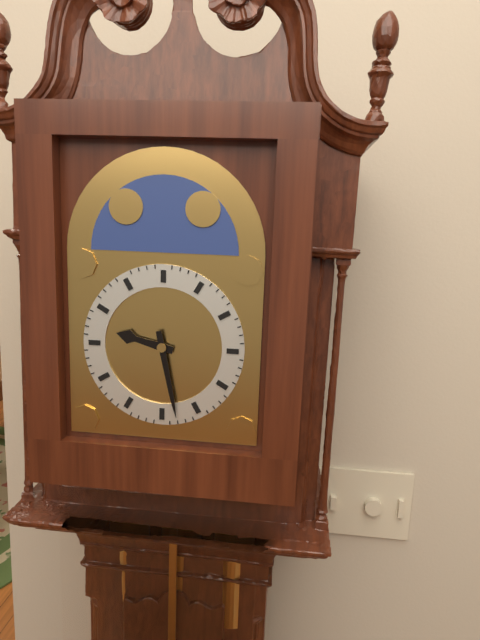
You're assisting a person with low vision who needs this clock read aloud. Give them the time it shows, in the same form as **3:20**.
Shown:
**9:28**
